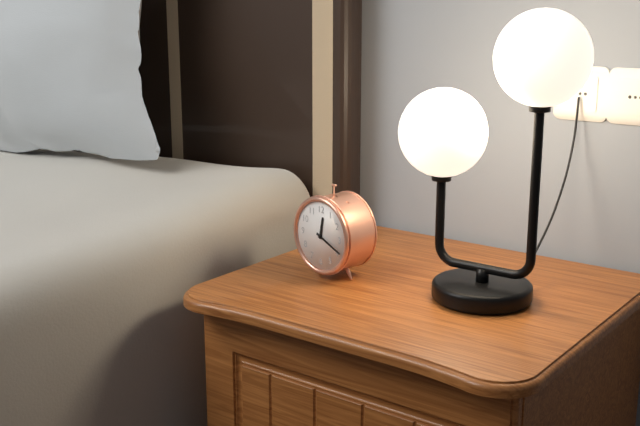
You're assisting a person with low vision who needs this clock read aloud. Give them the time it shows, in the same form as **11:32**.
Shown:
**12:19**
